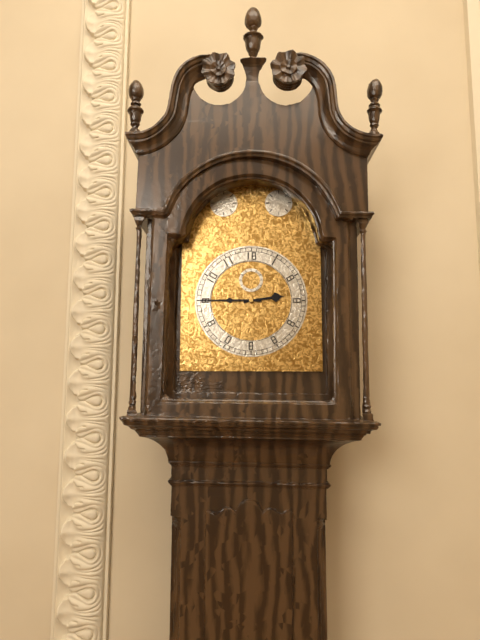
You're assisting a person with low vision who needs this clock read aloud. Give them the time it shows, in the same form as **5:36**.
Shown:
**2:45**
